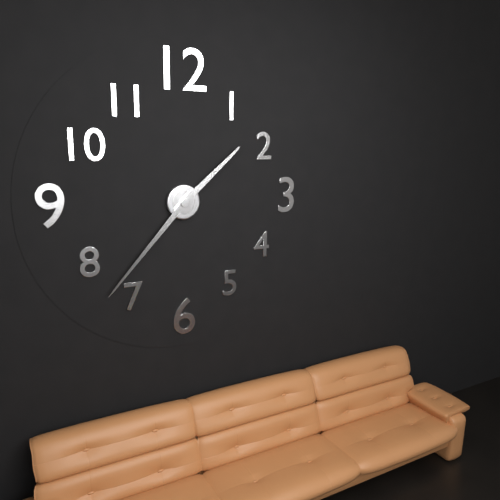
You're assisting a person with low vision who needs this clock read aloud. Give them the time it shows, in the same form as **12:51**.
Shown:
**1:37**
